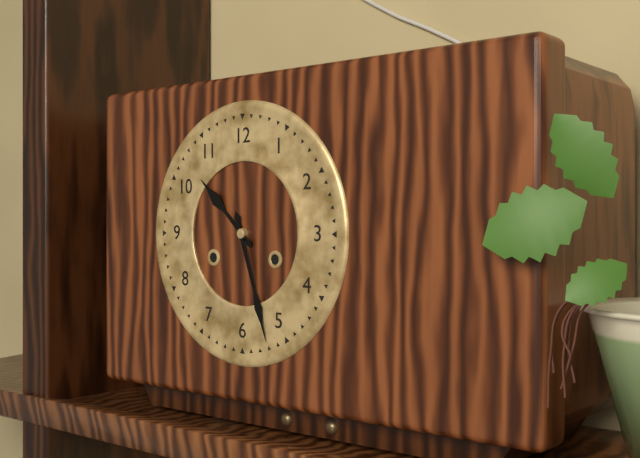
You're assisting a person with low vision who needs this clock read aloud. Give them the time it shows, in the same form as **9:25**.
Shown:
**10:27**
